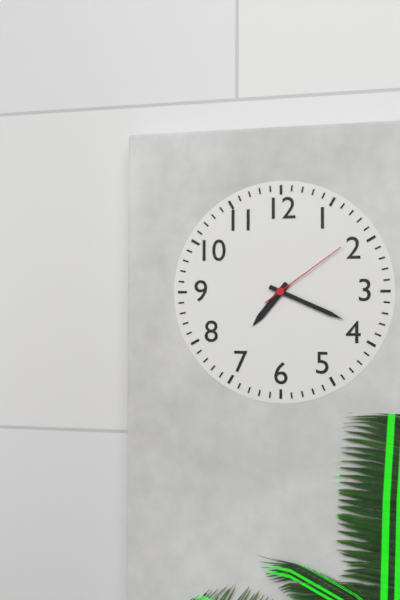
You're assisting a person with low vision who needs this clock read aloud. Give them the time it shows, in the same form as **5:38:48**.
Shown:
**7:19:09**
